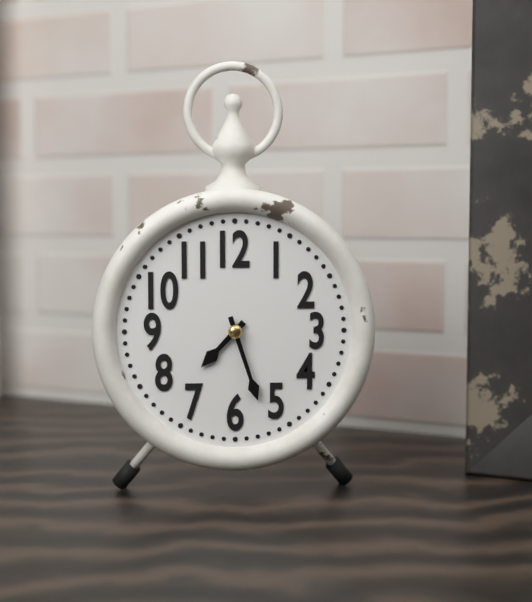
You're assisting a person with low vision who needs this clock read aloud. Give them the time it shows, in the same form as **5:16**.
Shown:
**7:27**
